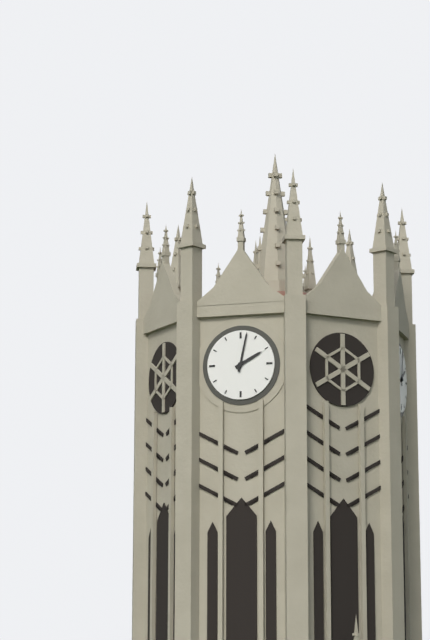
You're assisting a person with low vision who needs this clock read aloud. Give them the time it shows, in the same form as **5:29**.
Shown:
**2:02**
